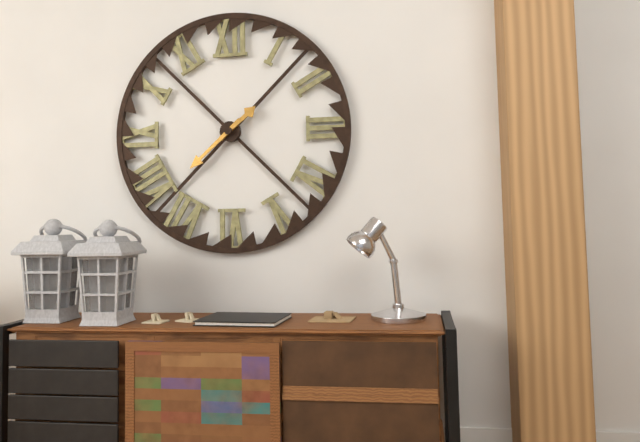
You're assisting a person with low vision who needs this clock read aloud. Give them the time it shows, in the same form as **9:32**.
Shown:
**1:38**
